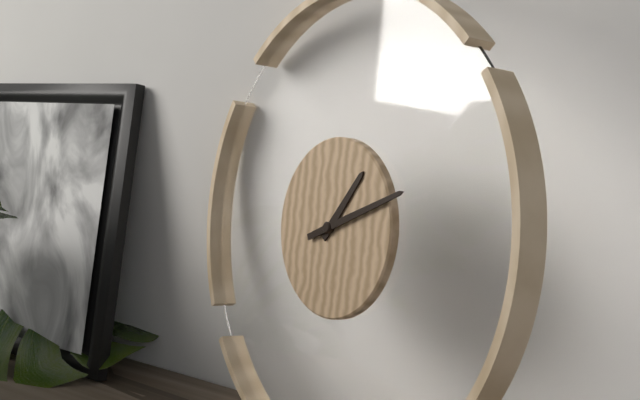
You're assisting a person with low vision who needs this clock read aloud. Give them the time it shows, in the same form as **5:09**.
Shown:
**1:11**
